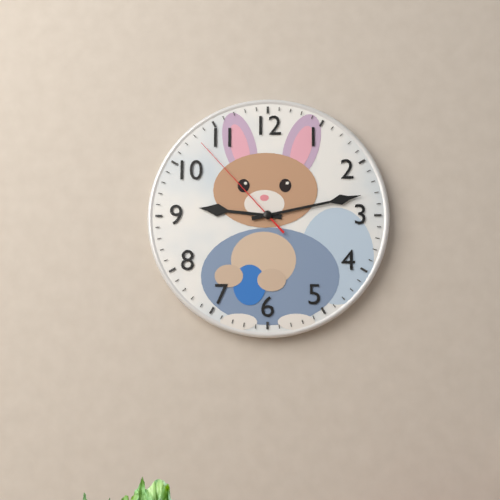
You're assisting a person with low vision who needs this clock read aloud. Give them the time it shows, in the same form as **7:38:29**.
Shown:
**9:13:53**
